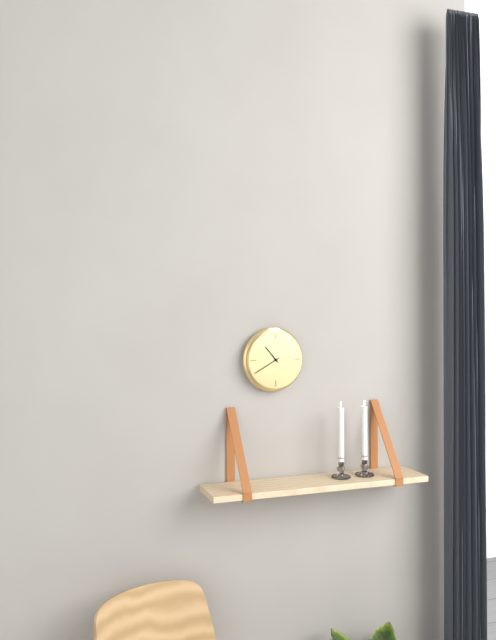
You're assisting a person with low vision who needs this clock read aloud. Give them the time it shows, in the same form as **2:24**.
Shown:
**10:40**
